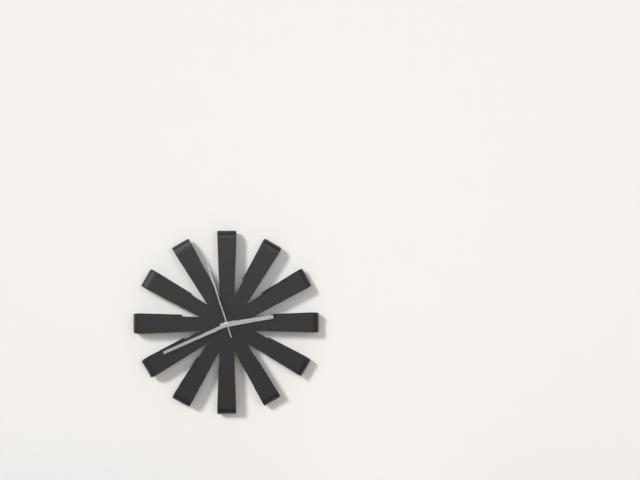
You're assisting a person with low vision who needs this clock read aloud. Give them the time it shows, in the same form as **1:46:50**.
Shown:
**2:41:57**
